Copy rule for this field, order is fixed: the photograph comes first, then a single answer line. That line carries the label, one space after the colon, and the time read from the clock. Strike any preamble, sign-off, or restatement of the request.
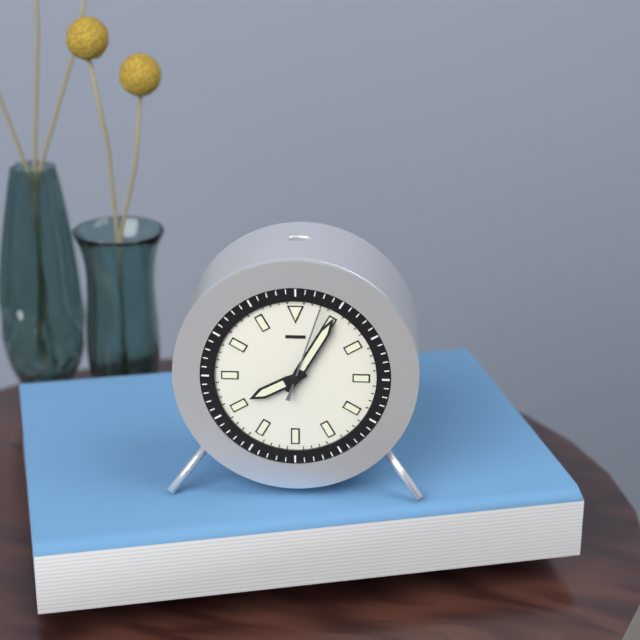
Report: 8:05:03
